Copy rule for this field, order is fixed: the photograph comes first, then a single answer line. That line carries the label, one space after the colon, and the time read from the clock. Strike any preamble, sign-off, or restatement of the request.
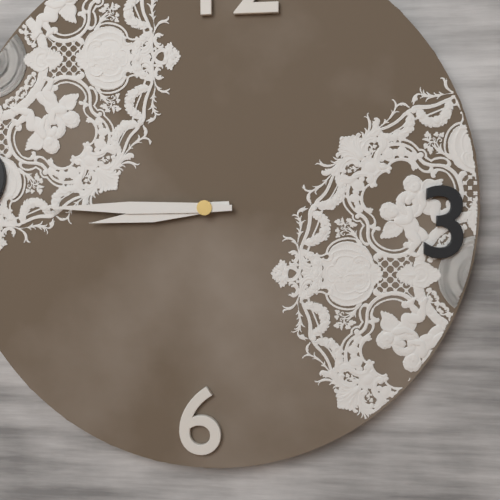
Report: 8:45
